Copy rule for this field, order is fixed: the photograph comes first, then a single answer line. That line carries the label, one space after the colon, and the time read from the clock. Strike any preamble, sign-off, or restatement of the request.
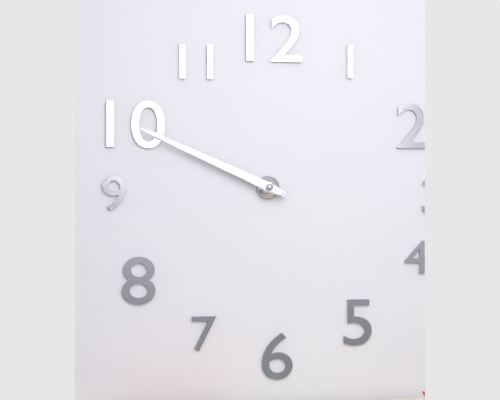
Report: 9:49
